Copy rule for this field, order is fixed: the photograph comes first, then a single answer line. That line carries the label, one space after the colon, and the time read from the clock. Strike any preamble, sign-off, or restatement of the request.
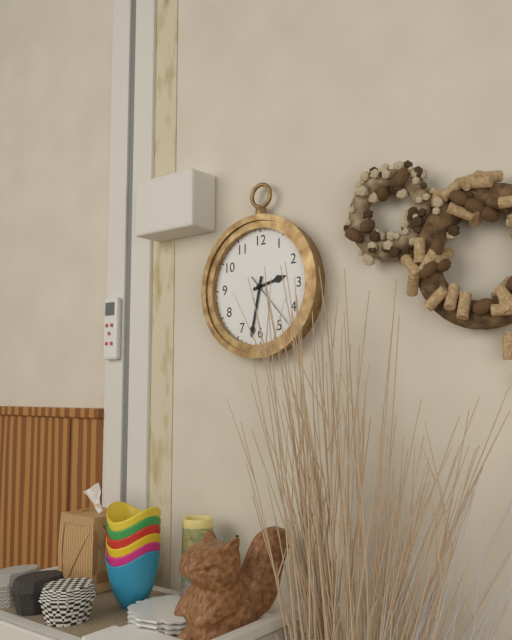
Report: 2:32:23
